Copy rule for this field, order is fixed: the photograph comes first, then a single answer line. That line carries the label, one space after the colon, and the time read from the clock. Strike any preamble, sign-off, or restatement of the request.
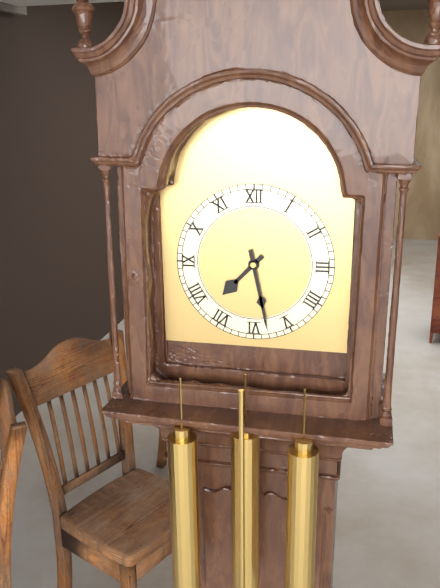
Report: 7:28
